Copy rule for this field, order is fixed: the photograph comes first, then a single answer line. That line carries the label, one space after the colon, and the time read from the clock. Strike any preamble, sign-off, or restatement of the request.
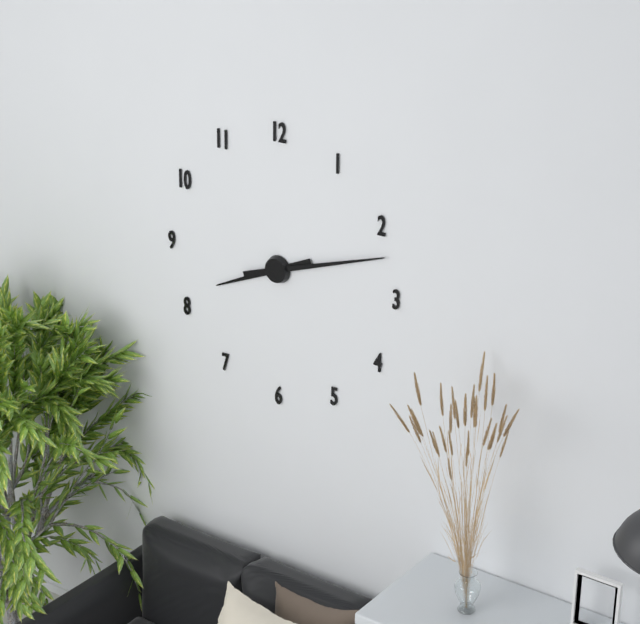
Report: 8:12
